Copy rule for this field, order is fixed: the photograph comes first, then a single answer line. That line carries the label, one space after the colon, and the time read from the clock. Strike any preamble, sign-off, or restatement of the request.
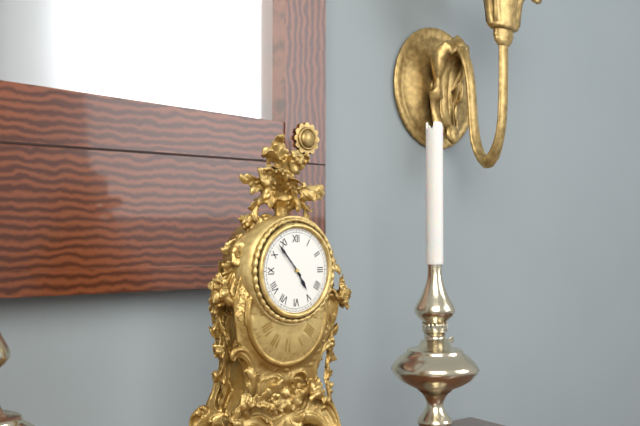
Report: 4:53
